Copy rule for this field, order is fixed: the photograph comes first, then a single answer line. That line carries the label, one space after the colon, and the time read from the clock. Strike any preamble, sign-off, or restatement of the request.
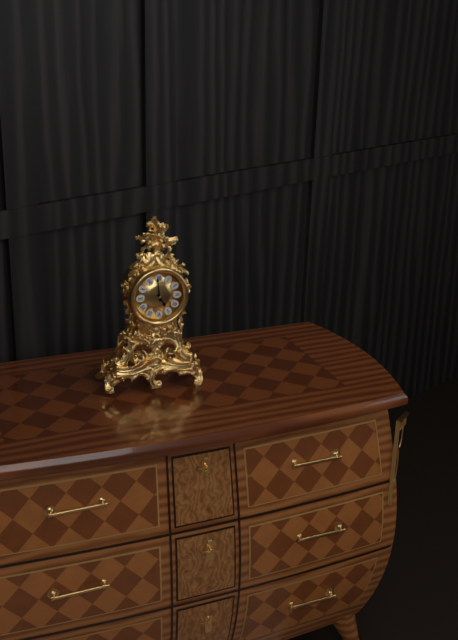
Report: 4:59
